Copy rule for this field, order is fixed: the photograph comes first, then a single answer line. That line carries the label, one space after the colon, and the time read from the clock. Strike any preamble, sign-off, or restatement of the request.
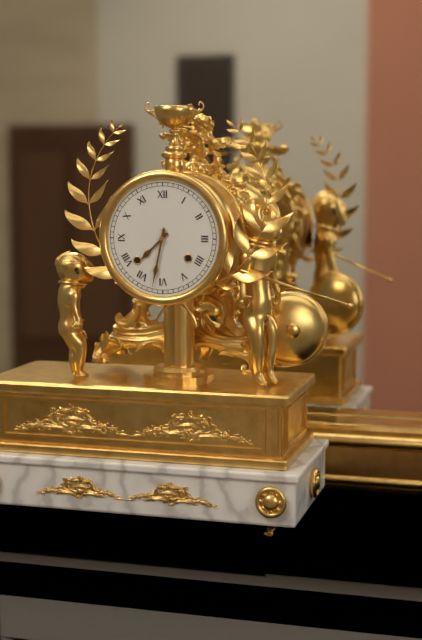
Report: 7:32
